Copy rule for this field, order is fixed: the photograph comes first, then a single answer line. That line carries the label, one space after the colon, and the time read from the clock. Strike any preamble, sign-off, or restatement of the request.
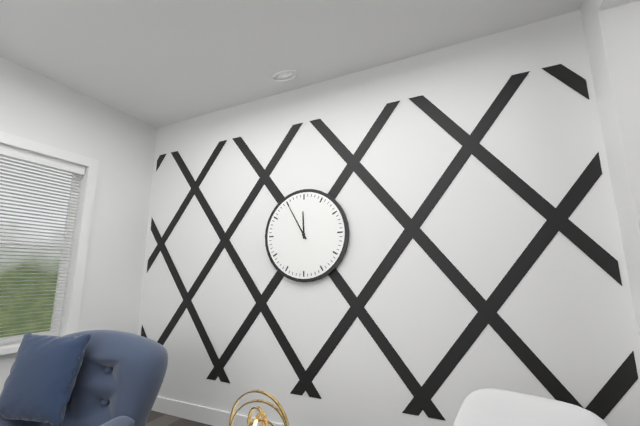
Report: 11:55
